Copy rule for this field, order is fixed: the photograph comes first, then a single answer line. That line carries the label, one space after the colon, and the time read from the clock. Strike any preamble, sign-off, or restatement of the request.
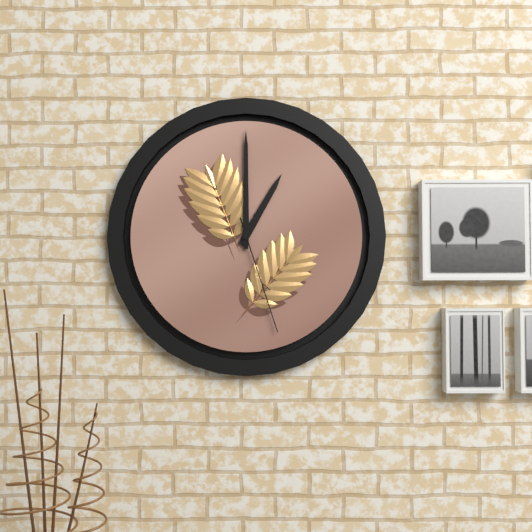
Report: 1:00:27
